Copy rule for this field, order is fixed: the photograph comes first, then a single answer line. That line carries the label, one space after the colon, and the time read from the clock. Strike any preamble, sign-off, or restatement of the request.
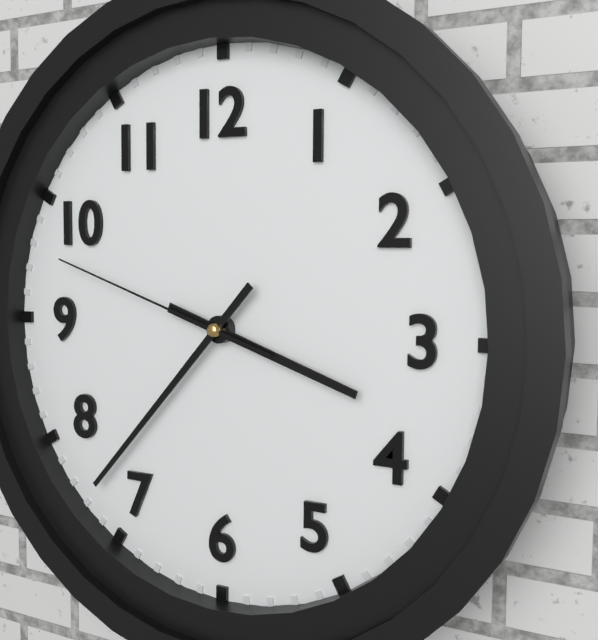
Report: 3:37:48
